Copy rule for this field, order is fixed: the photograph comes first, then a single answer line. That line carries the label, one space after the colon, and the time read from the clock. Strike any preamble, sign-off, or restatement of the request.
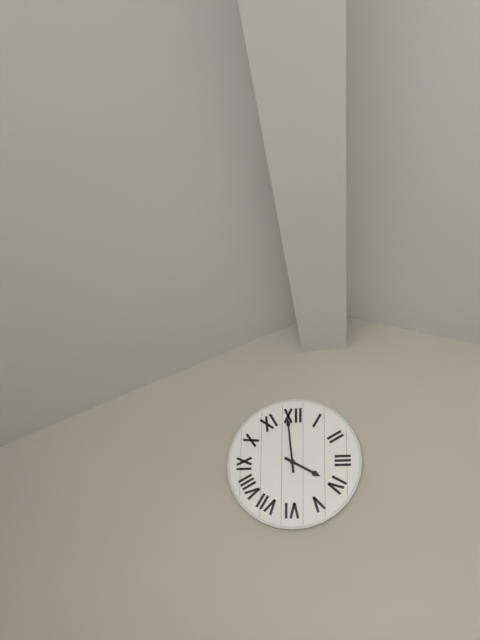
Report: 3:59
